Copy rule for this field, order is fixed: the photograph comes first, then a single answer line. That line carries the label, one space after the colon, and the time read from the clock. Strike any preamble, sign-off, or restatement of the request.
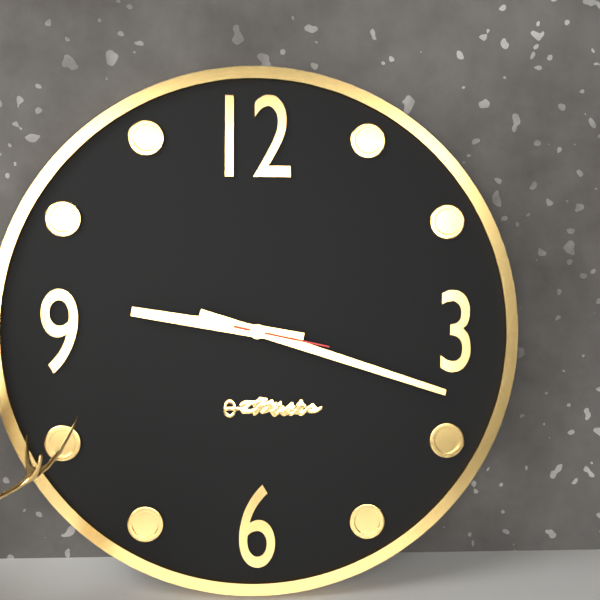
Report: 9:18:17
